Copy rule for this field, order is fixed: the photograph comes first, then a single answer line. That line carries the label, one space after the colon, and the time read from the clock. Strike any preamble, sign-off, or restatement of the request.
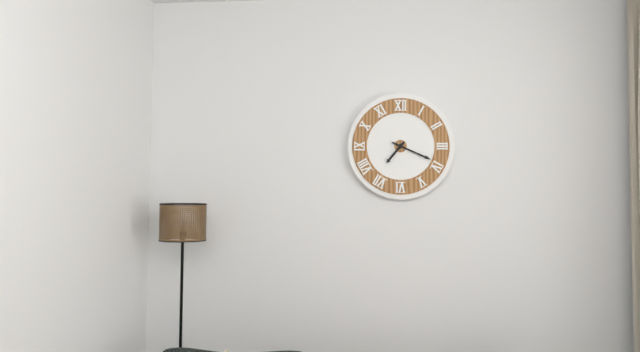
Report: 7:19
